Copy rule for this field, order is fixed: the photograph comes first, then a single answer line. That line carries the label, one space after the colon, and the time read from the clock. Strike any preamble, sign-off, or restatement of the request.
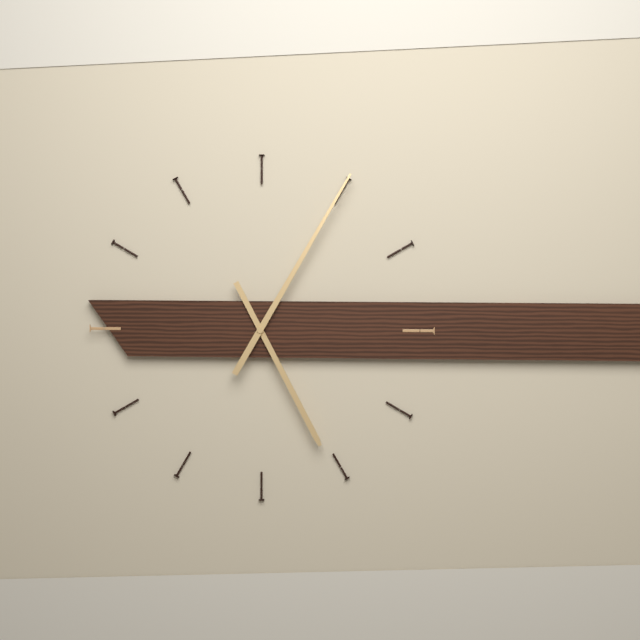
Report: 5:05
